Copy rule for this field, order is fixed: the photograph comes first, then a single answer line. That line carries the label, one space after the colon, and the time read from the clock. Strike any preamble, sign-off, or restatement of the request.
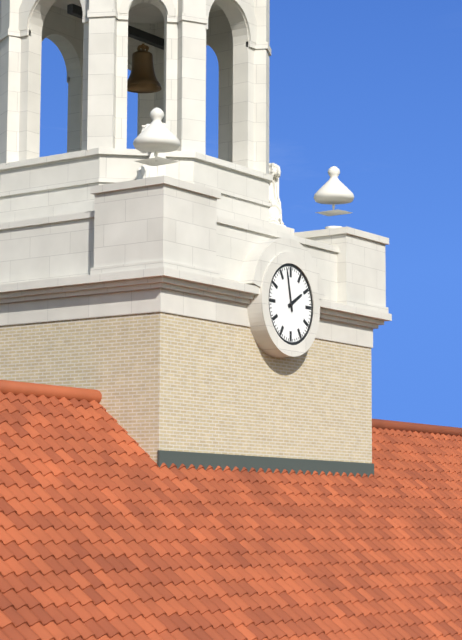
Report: 1:58
